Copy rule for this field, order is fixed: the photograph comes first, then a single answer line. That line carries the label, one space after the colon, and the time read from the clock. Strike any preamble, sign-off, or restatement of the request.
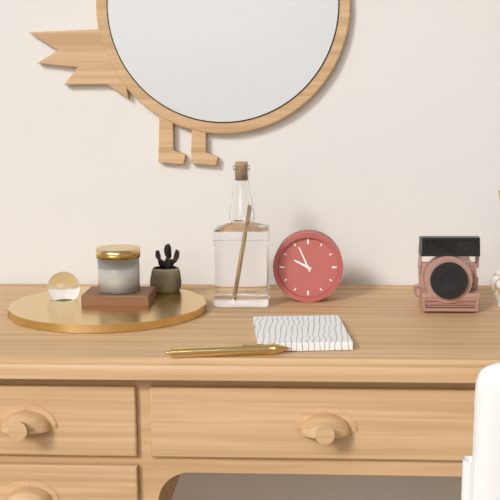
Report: 9:56
